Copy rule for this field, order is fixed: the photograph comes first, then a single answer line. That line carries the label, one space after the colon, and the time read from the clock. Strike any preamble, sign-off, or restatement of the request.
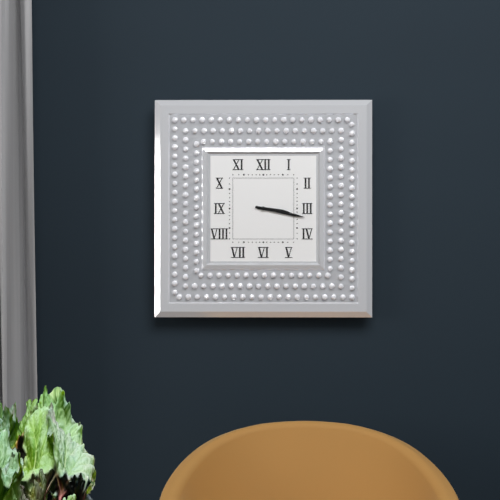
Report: 3:17
